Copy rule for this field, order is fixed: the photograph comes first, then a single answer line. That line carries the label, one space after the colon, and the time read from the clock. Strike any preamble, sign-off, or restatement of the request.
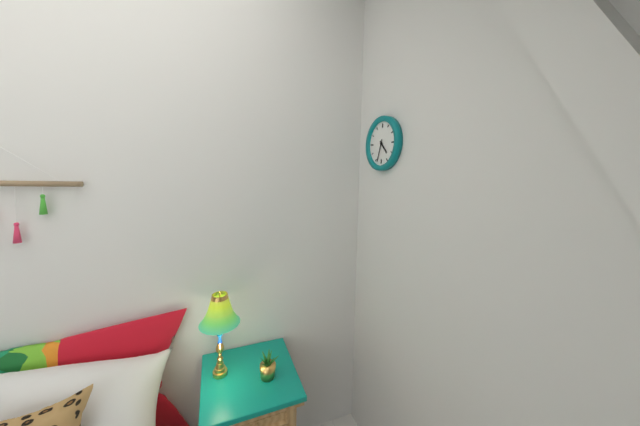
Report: 4:33
